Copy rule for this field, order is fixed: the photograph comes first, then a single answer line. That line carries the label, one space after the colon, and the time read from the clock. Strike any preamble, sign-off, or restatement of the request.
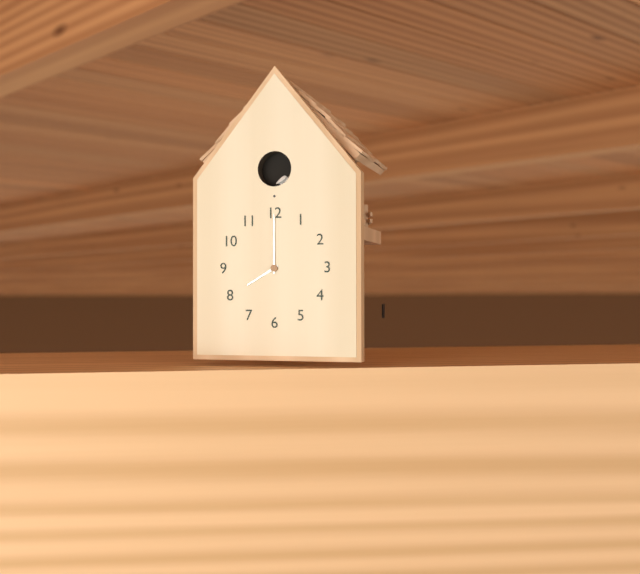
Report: 8:00
